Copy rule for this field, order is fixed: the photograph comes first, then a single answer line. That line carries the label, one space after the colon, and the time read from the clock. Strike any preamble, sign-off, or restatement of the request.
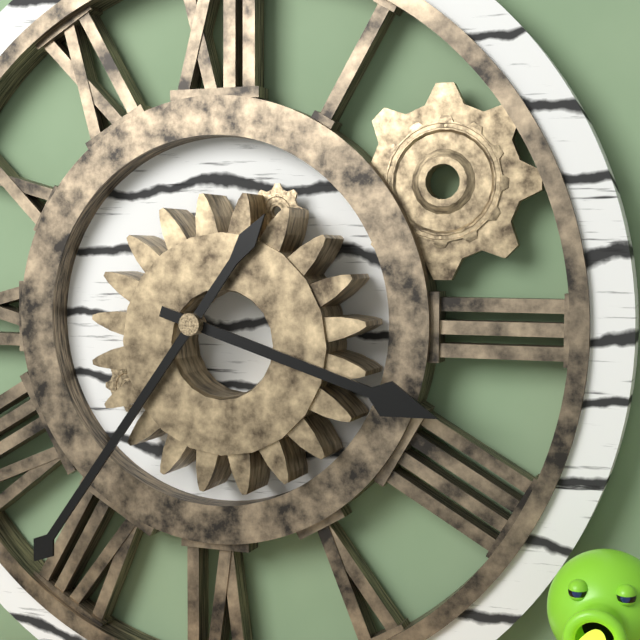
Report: 3:36
